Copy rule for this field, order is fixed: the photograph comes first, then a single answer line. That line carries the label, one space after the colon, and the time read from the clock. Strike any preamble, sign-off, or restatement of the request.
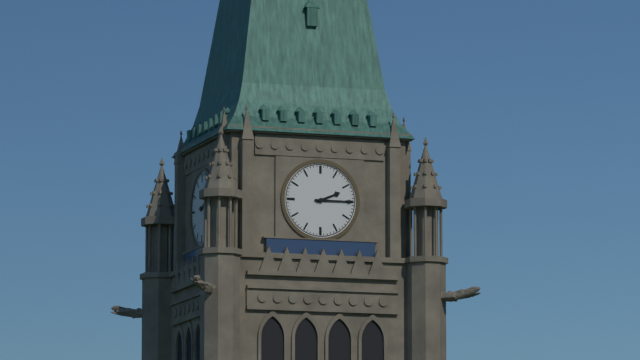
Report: 2:15
